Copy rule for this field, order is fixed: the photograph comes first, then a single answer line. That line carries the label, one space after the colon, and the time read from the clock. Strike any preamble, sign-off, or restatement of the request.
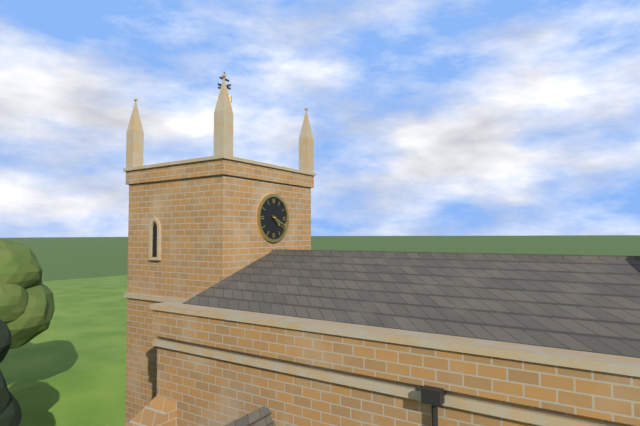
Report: 4:19
